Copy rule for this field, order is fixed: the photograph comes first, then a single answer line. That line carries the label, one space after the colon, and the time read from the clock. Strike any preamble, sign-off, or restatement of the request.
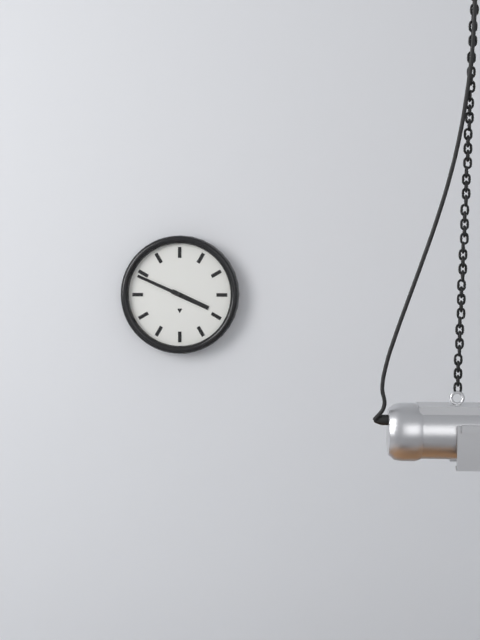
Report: 3:49
